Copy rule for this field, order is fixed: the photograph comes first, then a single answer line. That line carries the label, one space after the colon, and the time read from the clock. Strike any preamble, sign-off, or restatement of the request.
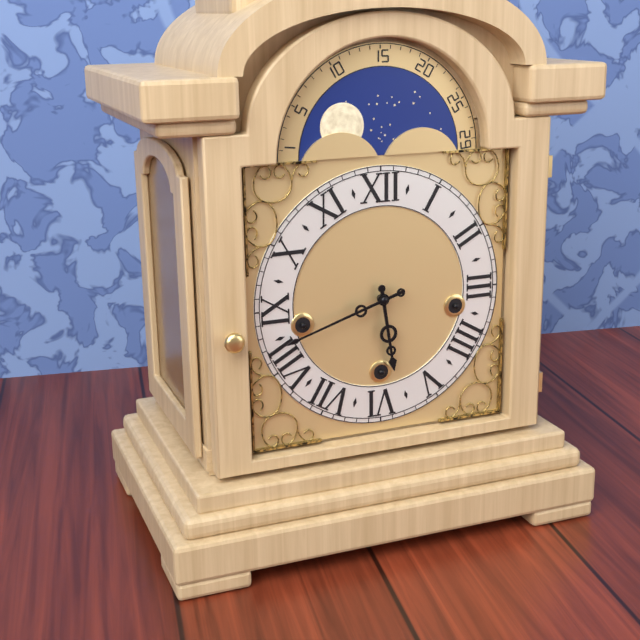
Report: 5:42
